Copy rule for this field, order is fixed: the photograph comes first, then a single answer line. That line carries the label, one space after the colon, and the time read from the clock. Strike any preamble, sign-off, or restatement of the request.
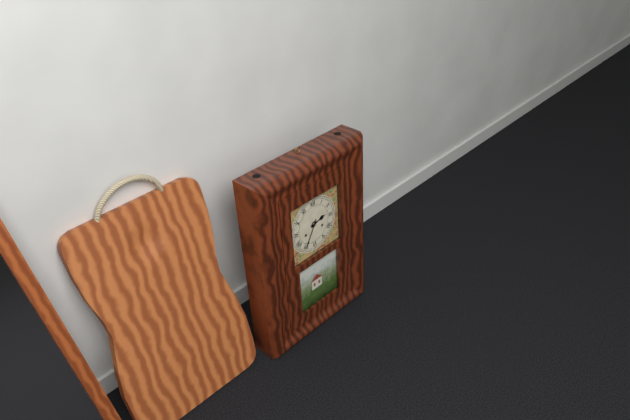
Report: 2:35
